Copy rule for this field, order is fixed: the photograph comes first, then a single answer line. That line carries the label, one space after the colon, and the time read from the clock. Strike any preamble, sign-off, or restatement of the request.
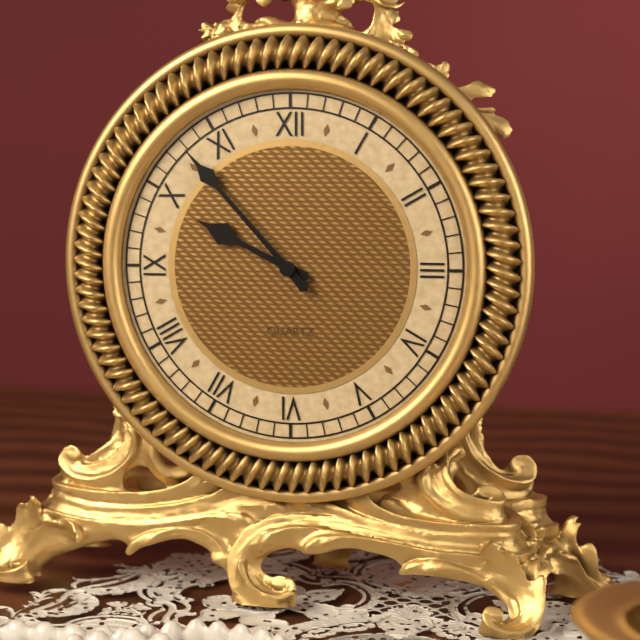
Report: 9:53
